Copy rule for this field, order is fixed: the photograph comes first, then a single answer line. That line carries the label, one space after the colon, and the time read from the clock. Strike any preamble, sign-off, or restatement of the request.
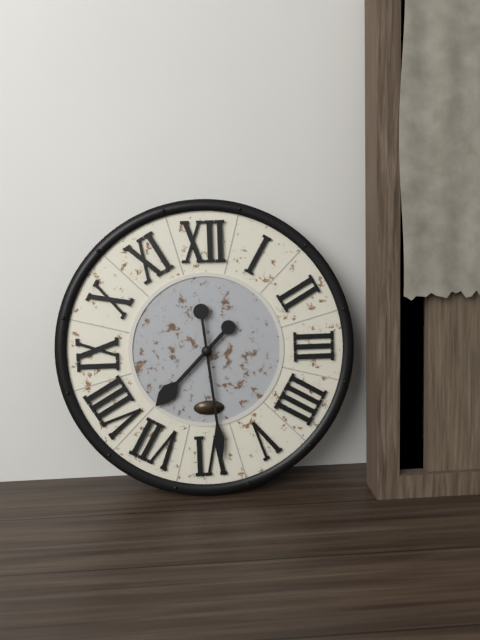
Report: 7:29
